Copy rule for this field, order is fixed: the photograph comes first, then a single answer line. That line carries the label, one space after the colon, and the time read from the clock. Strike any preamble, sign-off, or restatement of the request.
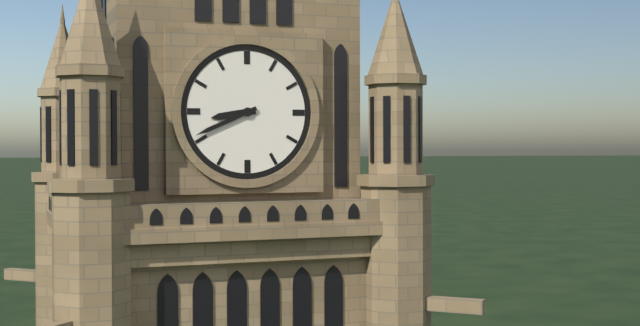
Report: 8:41
